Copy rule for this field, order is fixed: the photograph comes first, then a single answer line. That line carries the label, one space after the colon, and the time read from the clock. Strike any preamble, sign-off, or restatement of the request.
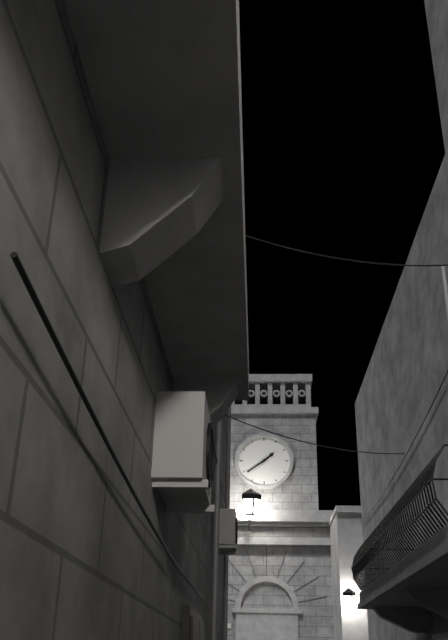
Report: 1:39
